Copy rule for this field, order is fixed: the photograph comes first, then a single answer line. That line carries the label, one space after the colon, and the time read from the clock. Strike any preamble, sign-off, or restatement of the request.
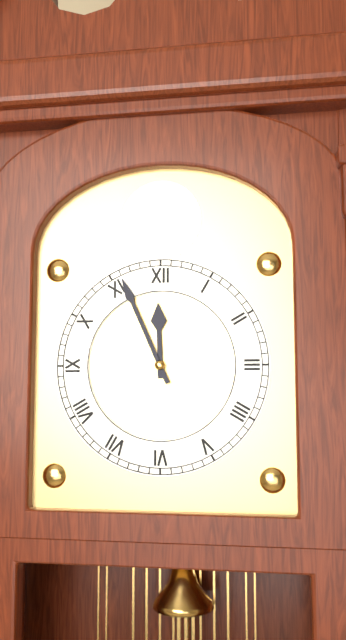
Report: 11:56
